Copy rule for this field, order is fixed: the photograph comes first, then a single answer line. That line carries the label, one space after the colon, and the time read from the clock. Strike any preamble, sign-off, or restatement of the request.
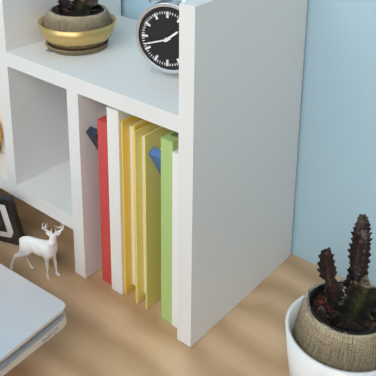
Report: 1:42
